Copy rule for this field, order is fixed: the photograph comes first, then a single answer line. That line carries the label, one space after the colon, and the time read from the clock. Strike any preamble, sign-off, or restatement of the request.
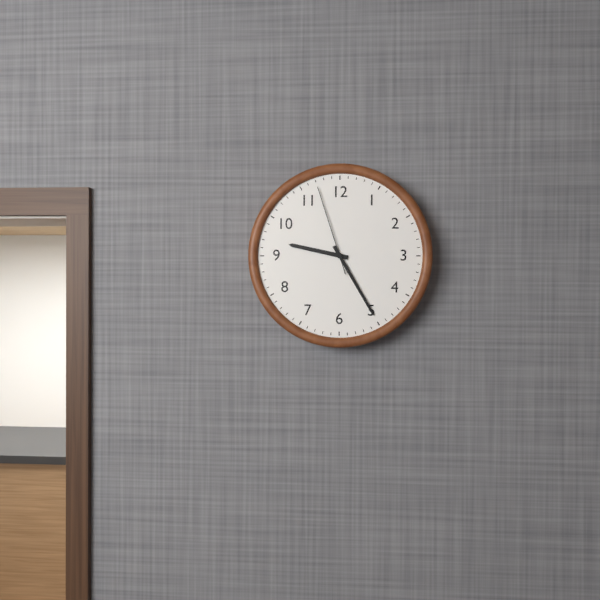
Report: 9:25:57
